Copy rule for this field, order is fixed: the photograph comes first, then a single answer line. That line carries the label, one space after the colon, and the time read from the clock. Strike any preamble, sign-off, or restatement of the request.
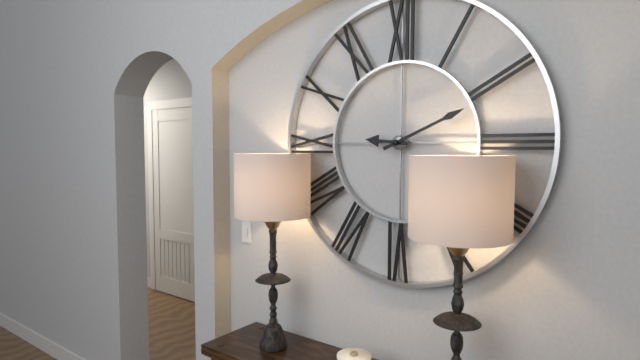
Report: 9:11
